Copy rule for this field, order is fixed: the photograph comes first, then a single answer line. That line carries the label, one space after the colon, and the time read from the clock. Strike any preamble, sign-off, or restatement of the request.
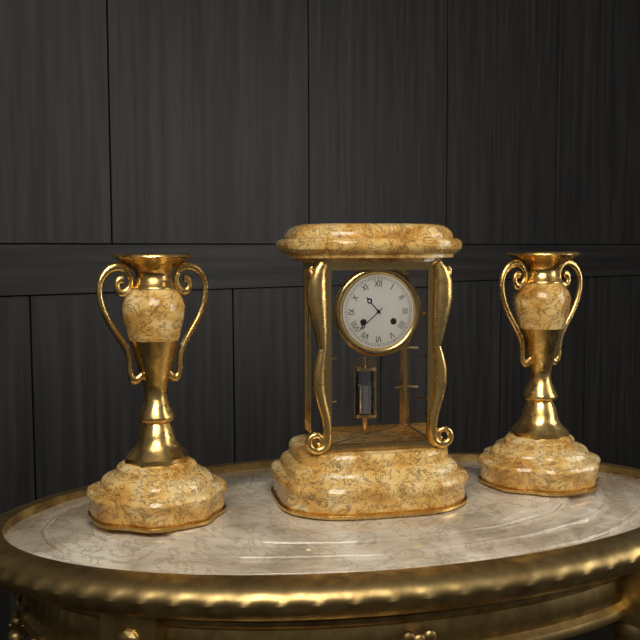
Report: 10:38
